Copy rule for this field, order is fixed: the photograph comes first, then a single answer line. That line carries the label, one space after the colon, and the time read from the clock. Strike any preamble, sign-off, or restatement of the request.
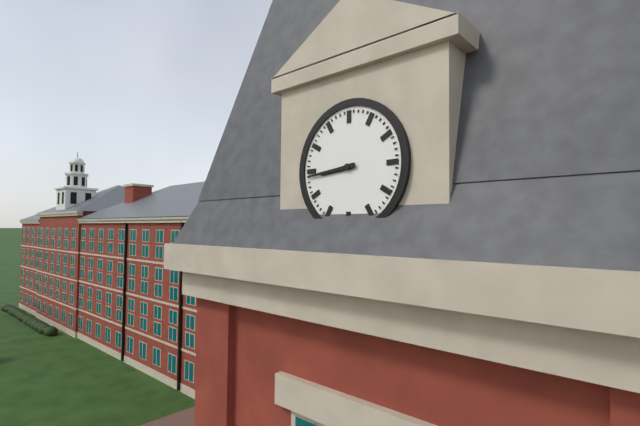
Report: 8:44
